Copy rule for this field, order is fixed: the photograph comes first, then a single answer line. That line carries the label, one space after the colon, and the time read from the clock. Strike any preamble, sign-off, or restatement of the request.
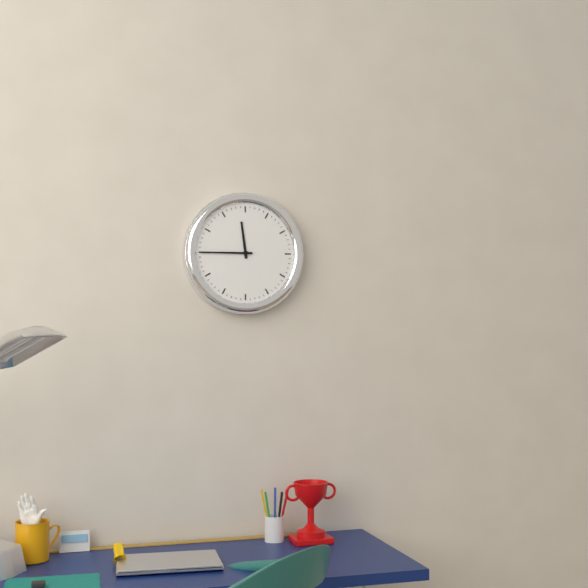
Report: 11:45
